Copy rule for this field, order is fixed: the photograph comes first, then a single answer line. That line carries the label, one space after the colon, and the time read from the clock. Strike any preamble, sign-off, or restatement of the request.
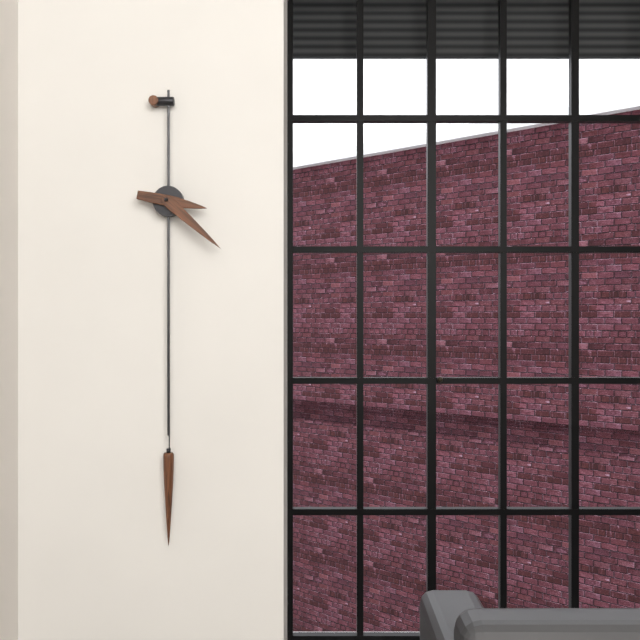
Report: 3:22
